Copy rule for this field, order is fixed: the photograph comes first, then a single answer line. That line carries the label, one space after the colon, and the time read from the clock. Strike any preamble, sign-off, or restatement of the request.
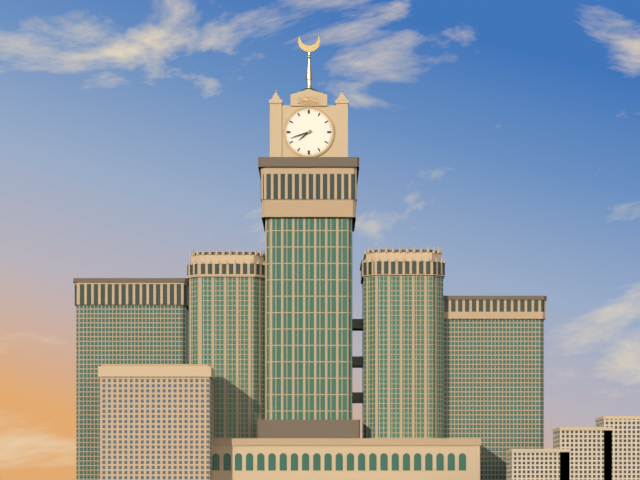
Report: 7:42
